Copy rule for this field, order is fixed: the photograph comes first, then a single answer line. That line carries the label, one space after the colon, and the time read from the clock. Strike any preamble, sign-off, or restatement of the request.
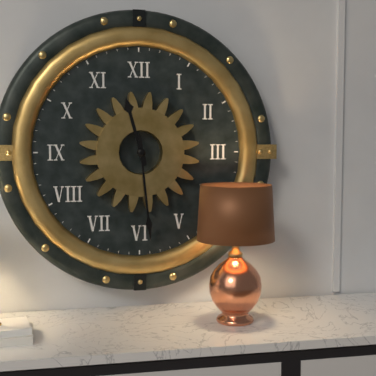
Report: 11:29
